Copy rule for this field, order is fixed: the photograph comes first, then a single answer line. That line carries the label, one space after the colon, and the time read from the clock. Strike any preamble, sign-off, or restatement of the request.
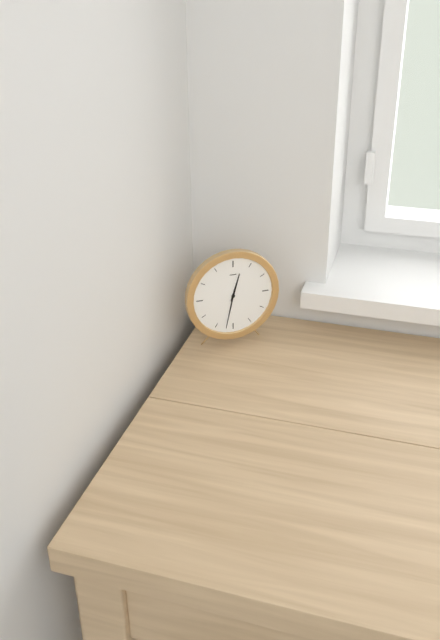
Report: 12:32
